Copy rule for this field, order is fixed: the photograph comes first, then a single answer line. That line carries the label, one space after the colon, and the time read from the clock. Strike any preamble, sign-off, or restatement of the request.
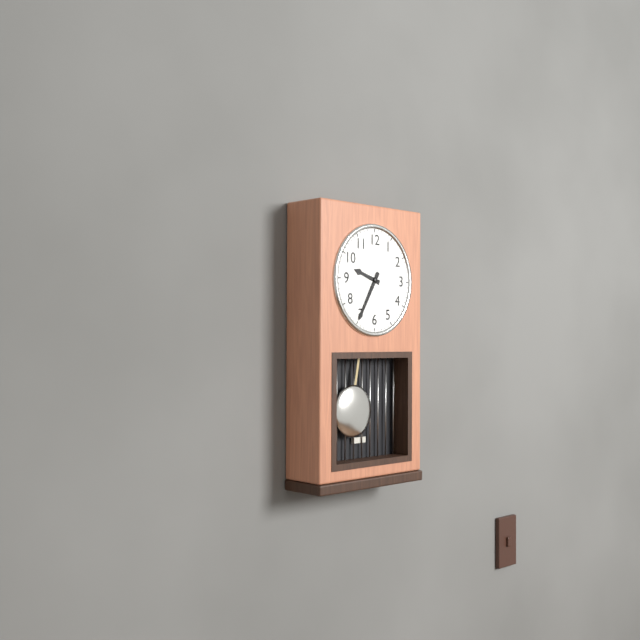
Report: 9:35
